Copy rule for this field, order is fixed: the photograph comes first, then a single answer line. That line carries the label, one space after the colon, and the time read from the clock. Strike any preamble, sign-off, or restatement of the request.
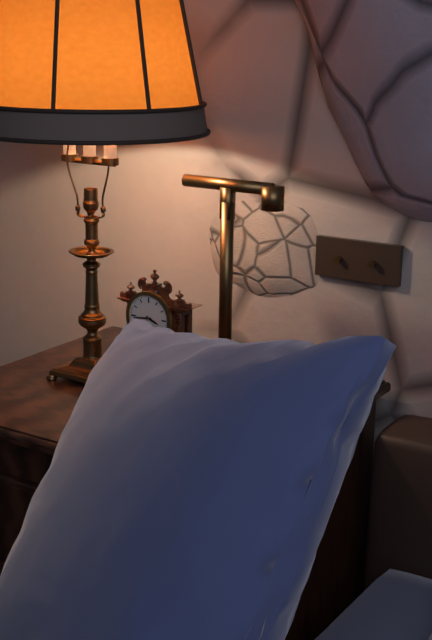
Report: 3:44
